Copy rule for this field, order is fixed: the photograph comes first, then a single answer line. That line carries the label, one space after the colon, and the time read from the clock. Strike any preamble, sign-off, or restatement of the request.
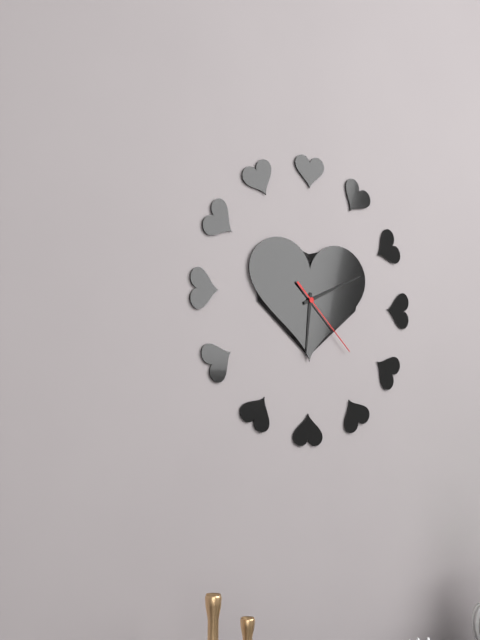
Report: 6:11:22
